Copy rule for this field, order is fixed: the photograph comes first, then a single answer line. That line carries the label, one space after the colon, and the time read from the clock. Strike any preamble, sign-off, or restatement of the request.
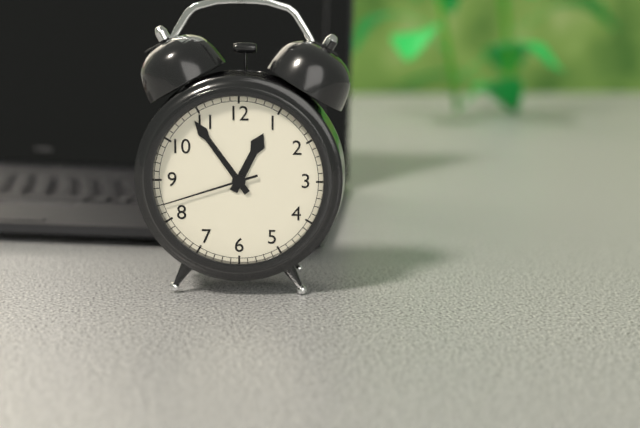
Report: 12:54:42
